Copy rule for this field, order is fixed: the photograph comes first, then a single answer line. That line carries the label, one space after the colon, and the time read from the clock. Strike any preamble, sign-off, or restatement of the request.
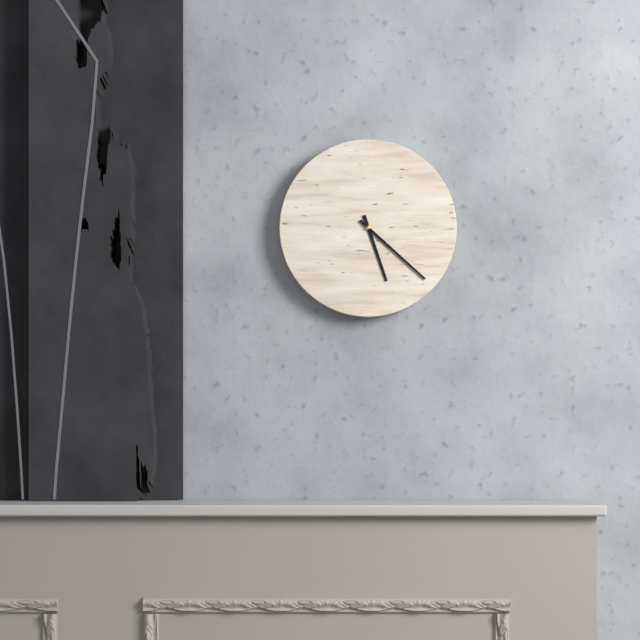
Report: 5:22
